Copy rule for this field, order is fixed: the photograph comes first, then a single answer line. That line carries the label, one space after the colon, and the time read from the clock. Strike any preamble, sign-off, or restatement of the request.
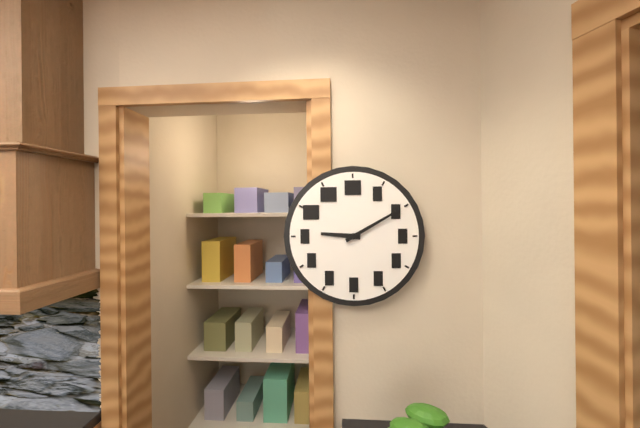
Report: 9:10
